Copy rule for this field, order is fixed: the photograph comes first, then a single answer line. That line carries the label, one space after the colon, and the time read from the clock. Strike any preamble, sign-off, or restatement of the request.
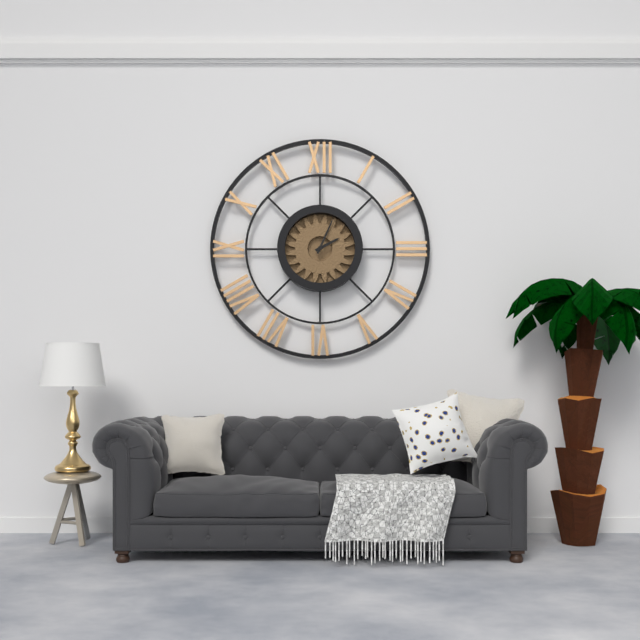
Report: 2:04
